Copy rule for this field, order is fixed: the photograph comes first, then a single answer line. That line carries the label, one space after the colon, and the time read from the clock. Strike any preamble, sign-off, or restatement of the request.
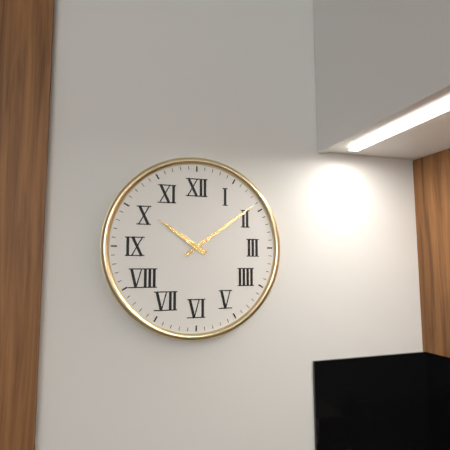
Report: 10:09
